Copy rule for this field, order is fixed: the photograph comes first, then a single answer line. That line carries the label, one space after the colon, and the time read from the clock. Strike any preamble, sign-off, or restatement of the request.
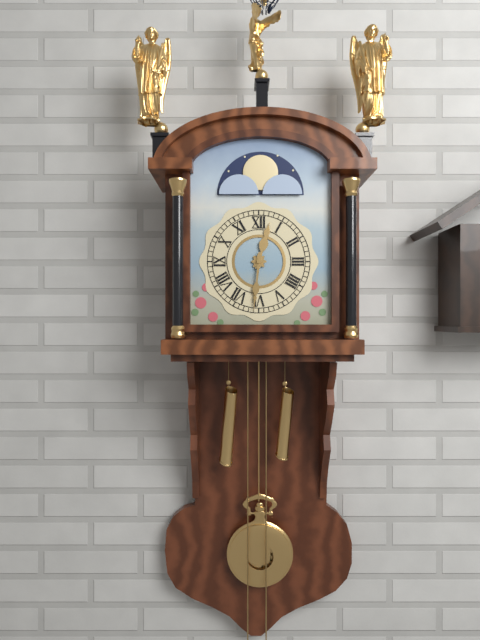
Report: 12:31
